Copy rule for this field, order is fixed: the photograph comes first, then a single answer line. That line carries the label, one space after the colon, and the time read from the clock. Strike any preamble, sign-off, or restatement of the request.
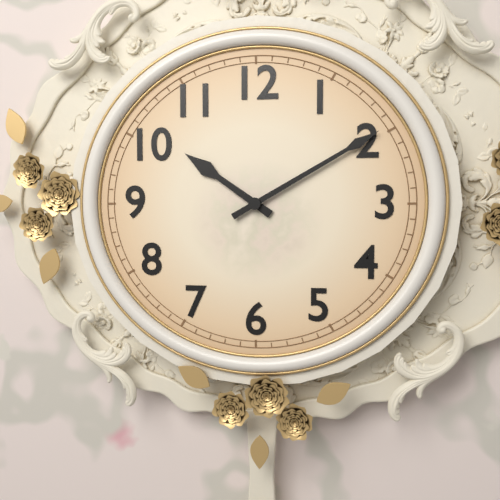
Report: 10:10
